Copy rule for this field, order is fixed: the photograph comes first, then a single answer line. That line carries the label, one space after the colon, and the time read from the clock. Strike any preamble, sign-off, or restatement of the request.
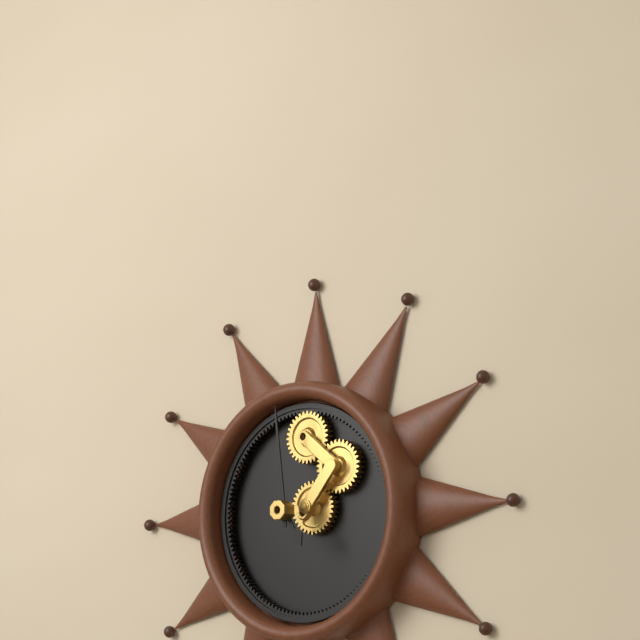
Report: 4:59
